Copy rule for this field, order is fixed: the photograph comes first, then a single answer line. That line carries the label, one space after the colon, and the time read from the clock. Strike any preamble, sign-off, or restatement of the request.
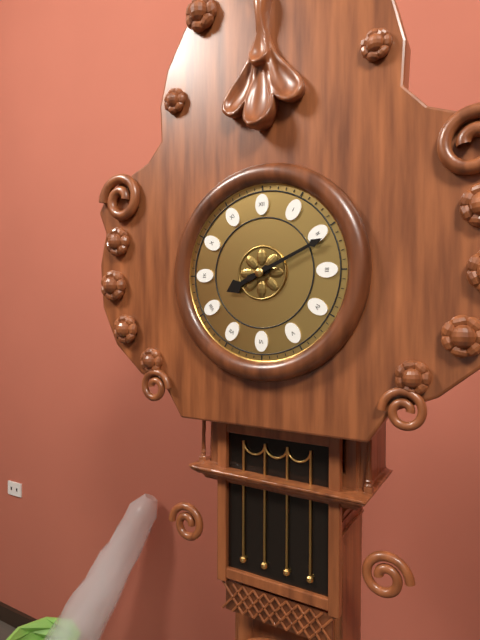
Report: 8:11
